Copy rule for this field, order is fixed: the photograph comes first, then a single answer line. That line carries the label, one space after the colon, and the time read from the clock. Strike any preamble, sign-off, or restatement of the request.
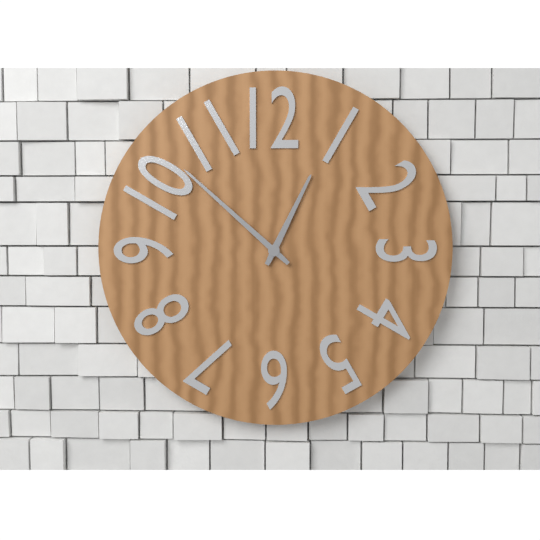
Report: 12:52
